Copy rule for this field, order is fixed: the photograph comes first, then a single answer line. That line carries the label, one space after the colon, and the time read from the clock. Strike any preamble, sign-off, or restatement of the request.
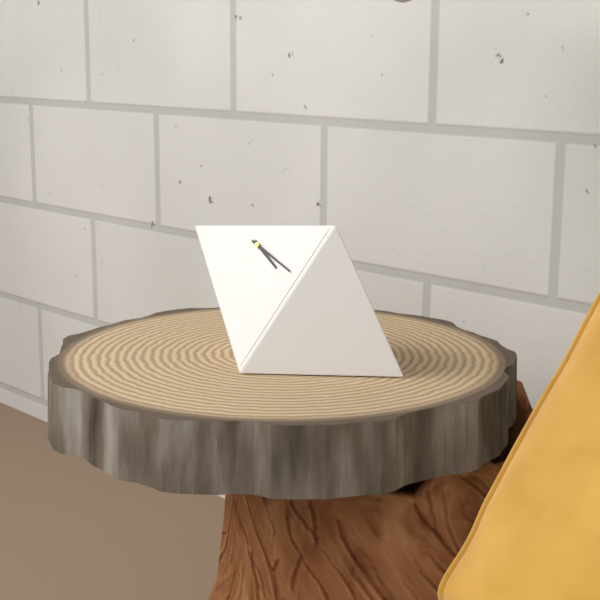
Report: 4:20
